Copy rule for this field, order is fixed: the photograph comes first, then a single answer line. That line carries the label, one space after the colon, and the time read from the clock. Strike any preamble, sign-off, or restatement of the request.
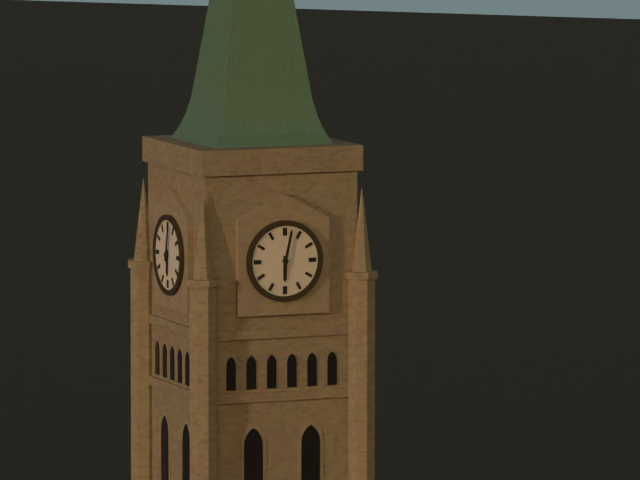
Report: 6:02
